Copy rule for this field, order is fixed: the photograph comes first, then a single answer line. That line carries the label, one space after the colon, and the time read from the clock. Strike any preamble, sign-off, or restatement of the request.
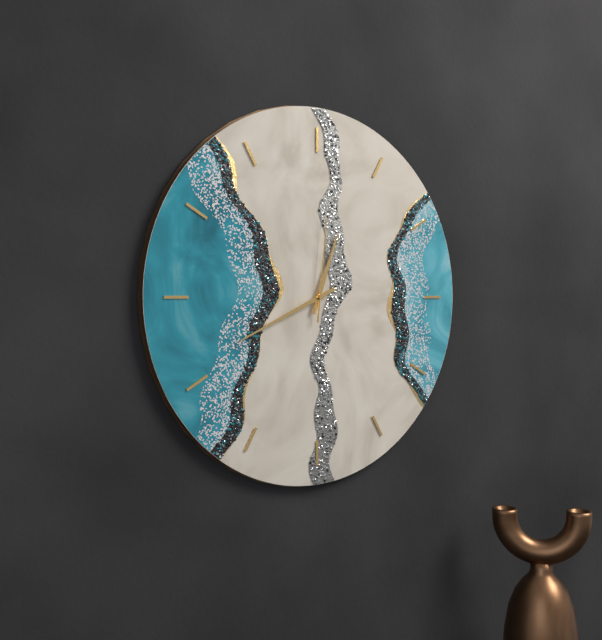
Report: 12:41:01
